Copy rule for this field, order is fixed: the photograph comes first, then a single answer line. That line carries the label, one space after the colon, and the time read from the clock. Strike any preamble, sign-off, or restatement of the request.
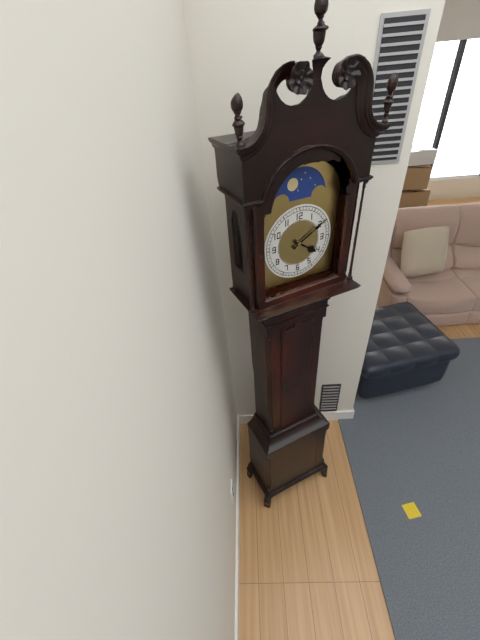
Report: 4:10
